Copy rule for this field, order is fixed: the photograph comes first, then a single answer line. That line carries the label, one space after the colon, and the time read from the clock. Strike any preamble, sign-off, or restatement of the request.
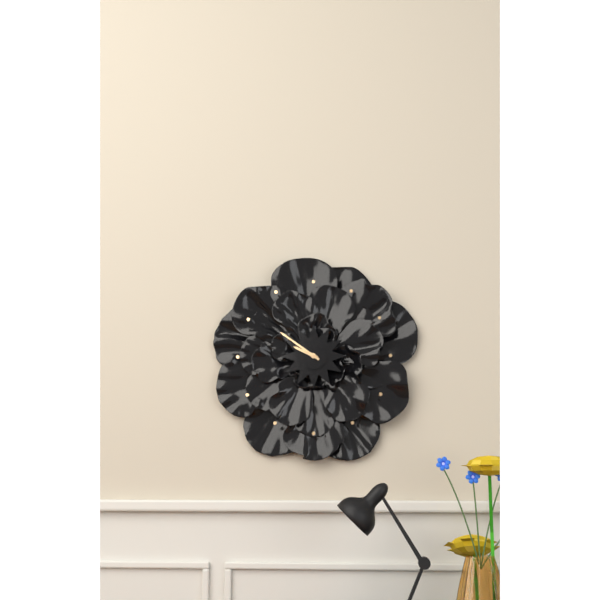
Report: 9:51
